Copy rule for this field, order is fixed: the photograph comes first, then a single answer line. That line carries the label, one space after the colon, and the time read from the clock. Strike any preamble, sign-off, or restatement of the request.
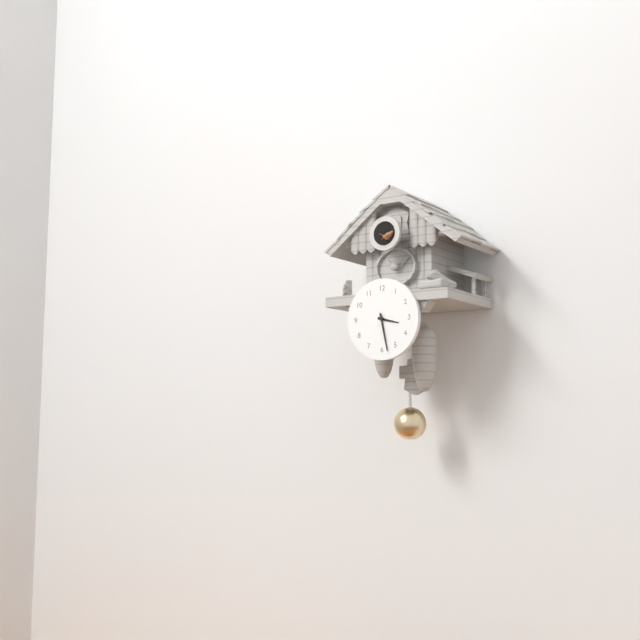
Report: 3:28
